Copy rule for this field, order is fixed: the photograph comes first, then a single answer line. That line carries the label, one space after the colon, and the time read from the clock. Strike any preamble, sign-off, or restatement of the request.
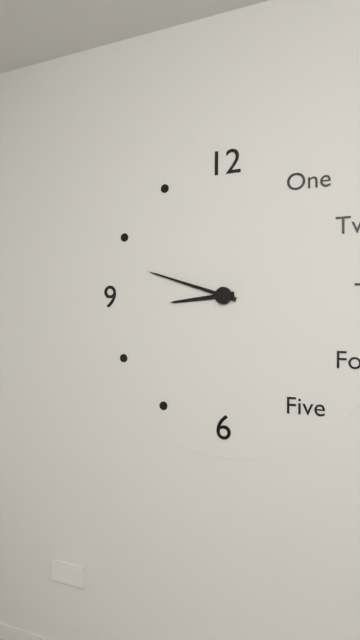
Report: 8:48
